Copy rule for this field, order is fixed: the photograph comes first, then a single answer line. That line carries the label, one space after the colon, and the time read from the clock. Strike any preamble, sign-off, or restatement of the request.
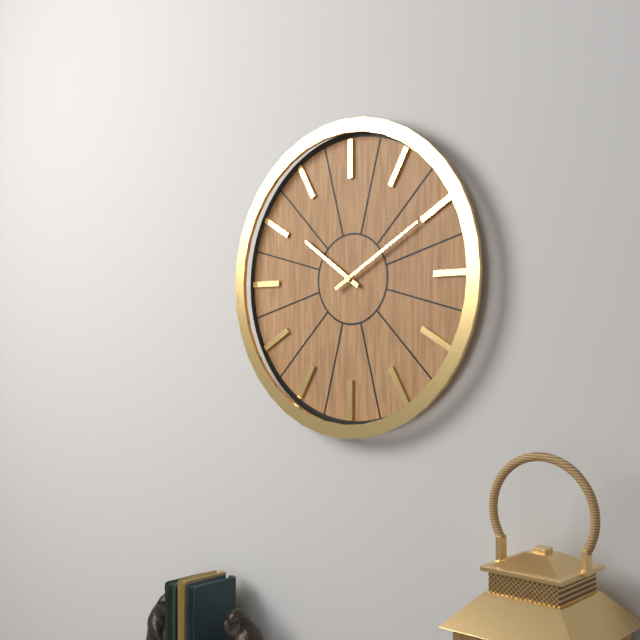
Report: 10:10
